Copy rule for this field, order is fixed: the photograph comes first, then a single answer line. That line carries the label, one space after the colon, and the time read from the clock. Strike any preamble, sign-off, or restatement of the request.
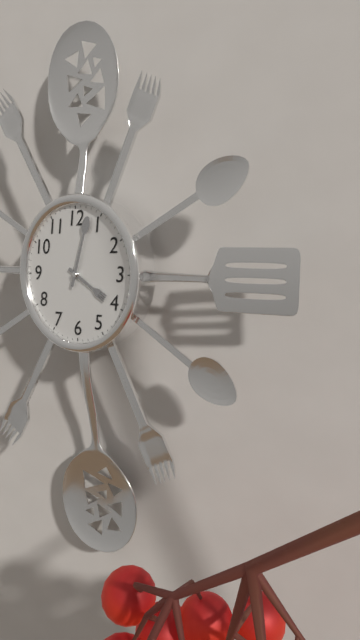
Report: 4:03
